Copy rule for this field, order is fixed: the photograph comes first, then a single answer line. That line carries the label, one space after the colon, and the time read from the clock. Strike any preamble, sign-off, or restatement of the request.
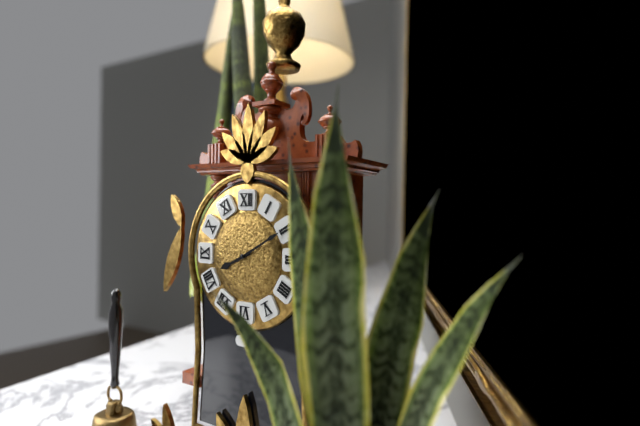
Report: 8:10
